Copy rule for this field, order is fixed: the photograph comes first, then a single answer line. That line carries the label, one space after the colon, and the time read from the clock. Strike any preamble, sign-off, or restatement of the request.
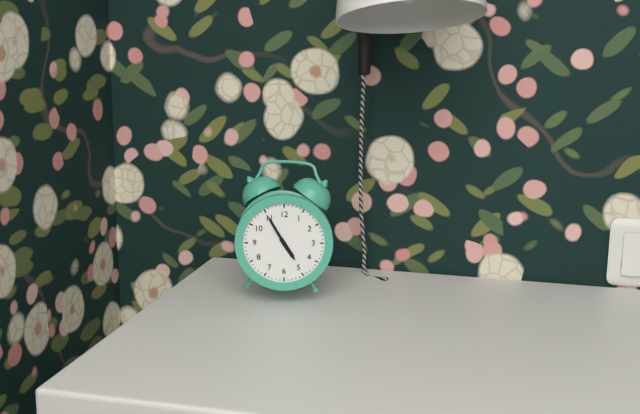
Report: 4:55
